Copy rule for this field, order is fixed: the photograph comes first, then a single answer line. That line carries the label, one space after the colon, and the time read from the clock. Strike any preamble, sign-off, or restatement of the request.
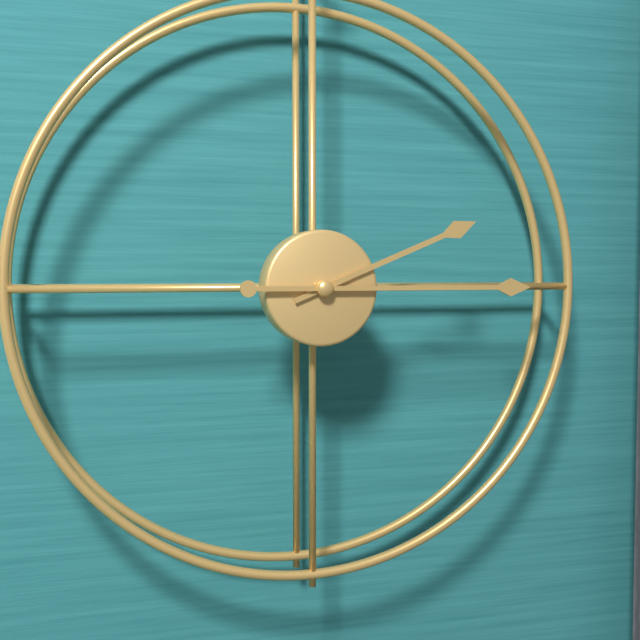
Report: 2:15
